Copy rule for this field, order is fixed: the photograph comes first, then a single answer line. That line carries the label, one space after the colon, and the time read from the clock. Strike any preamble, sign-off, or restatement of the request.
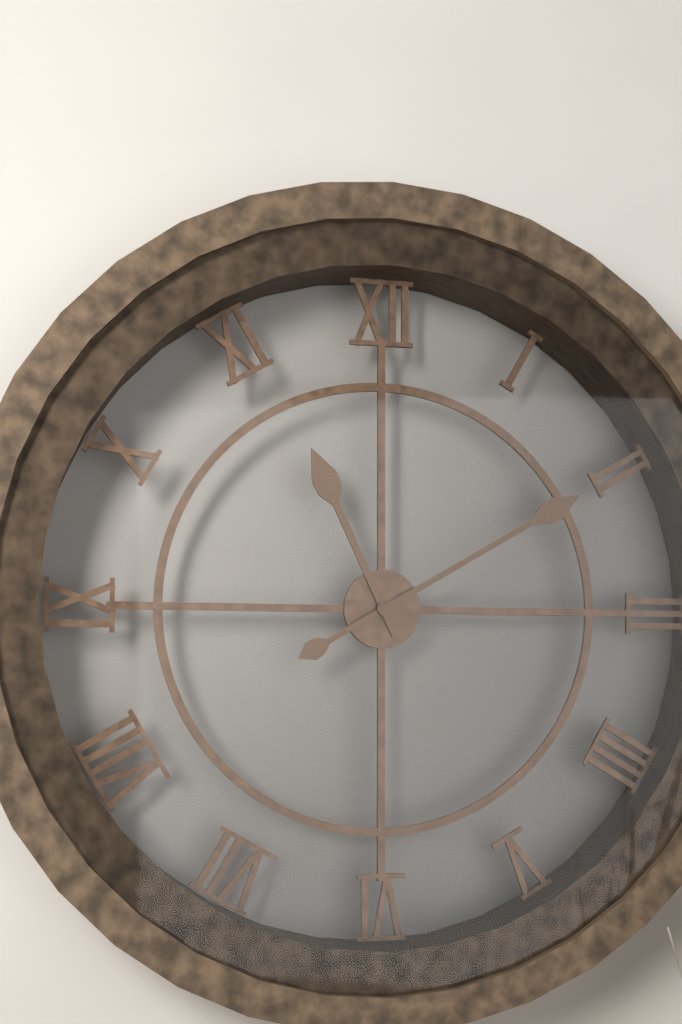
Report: 11:10
